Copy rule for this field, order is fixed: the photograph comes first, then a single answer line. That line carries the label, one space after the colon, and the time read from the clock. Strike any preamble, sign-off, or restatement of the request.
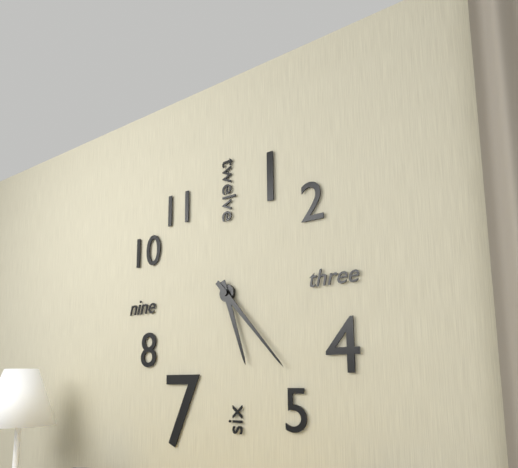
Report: 5:23
